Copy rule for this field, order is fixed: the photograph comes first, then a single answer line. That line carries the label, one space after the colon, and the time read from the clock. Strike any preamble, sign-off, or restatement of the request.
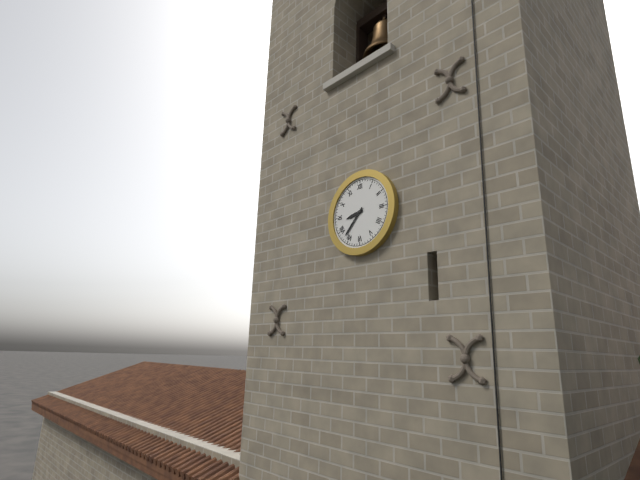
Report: 8:37
